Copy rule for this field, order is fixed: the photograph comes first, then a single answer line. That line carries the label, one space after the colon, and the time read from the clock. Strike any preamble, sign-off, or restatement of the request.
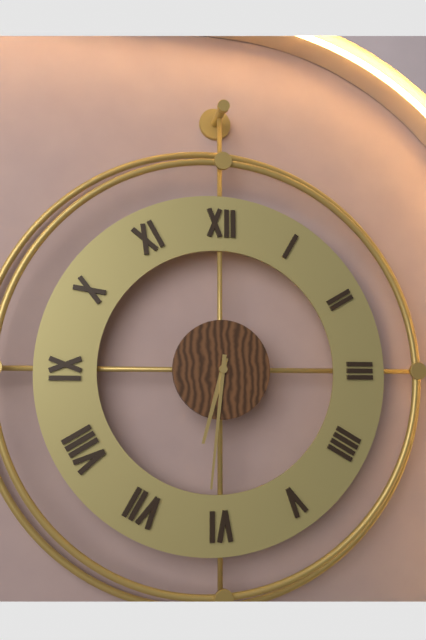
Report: 6:31
